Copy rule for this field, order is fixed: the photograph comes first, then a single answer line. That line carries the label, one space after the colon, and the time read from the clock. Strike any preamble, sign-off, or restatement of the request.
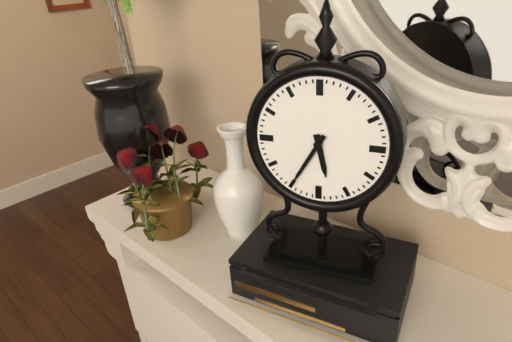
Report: 5:35
